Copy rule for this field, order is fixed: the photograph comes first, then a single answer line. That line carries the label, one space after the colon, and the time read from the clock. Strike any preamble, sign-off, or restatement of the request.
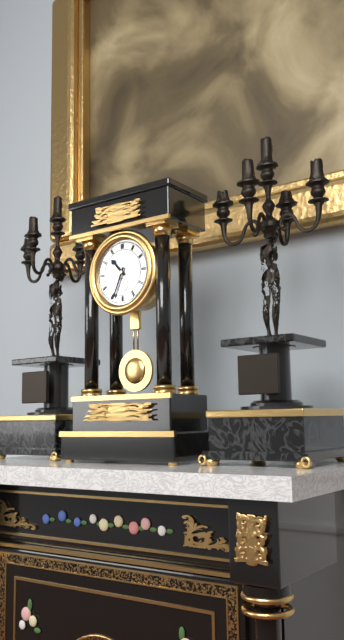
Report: 10:34
